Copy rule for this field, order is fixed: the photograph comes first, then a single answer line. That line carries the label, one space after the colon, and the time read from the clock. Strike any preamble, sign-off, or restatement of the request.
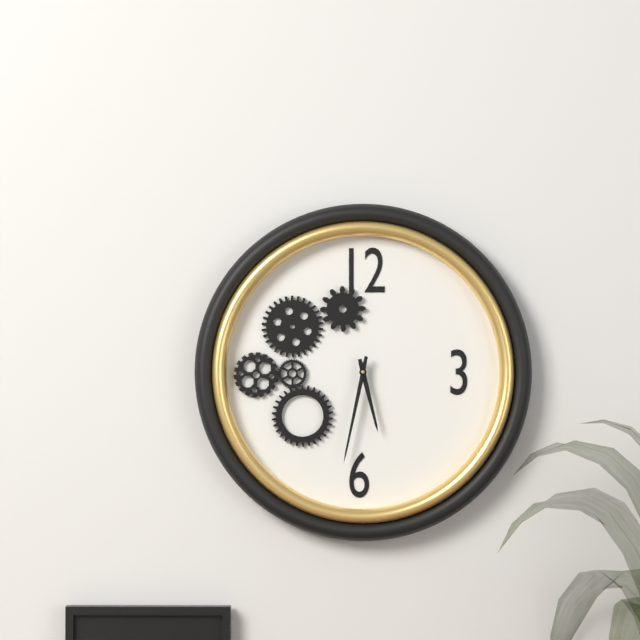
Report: 5:32
